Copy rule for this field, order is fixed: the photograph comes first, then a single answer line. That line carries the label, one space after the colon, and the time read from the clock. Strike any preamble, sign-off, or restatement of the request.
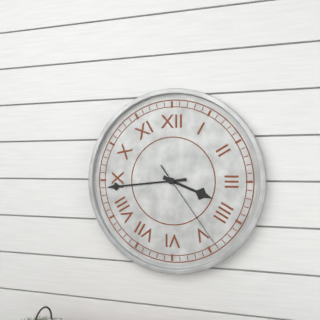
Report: 3:44:24
